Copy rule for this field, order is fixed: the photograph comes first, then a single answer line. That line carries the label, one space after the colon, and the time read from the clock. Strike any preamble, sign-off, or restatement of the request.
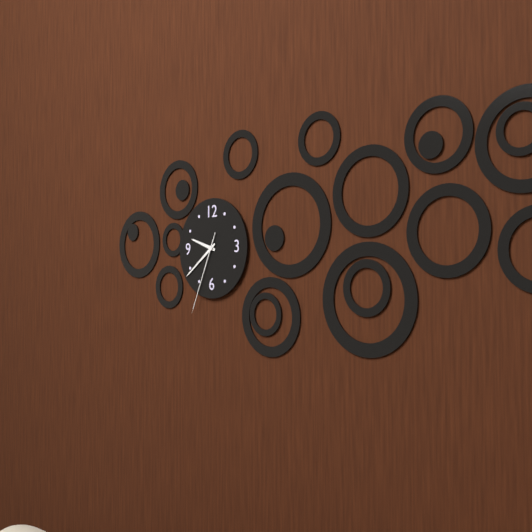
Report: 9:39:34
